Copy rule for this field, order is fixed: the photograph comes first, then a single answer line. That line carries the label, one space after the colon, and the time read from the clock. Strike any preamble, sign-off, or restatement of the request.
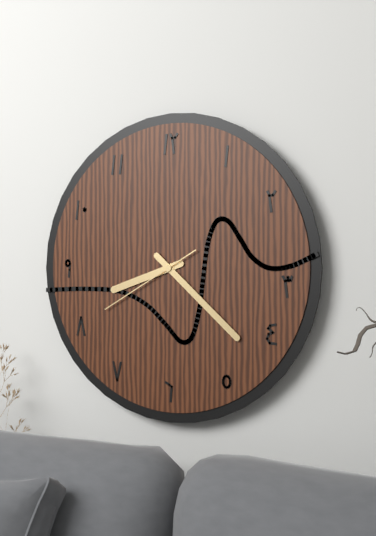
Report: 8:22:40
